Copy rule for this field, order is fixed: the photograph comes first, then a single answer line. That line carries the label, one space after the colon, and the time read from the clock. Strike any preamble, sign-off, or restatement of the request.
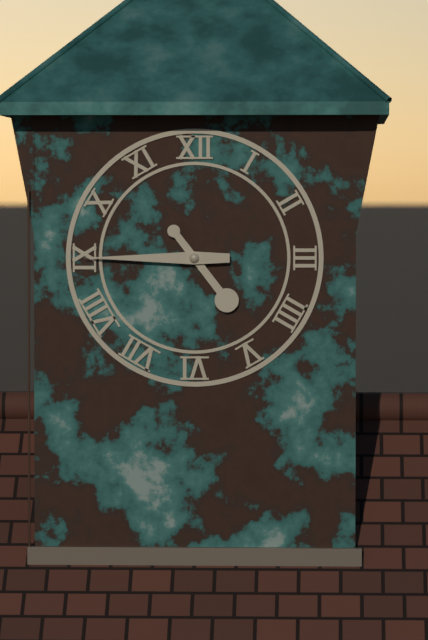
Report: 4:45
